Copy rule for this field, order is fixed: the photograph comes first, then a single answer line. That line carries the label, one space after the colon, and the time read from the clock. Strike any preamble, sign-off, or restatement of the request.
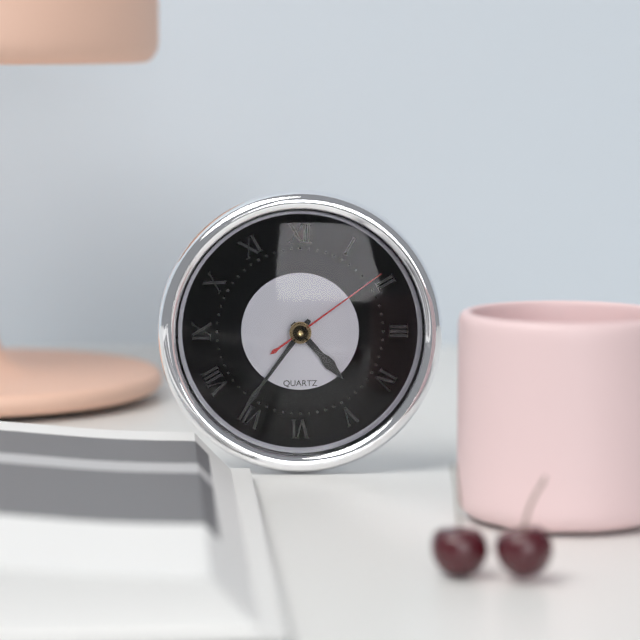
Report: 4:36:09
